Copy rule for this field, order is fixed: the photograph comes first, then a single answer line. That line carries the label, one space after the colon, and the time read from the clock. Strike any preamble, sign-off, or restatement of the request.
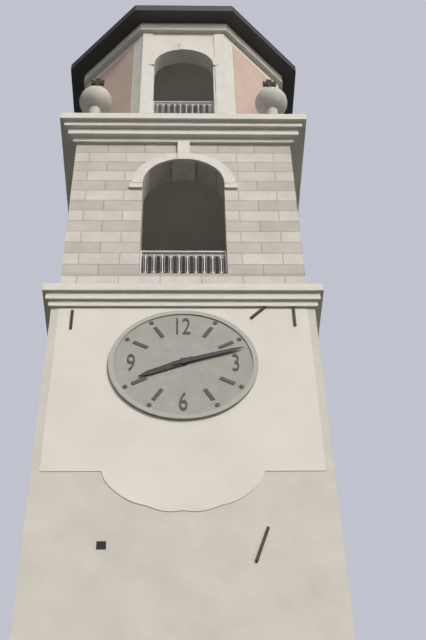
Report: 8:12
